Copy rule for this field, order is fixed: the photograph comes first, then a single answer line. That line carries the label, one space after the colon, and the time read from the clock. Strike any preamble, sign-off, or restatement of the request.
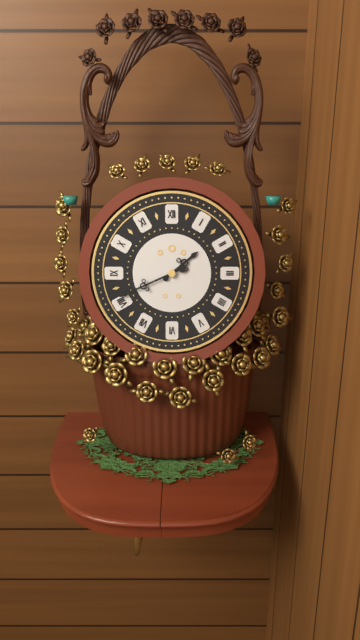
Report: 1:41
